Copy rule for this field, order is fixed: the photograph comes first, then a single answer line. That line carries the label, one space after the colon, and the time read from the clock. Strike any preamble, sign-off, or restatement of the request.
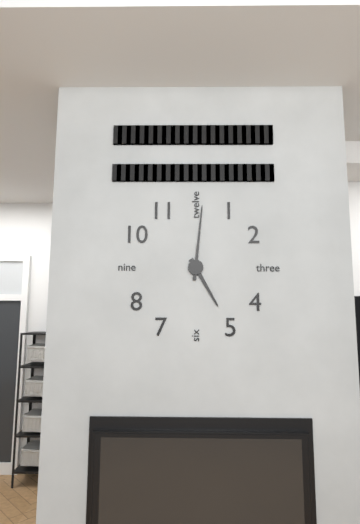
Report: 5:01
